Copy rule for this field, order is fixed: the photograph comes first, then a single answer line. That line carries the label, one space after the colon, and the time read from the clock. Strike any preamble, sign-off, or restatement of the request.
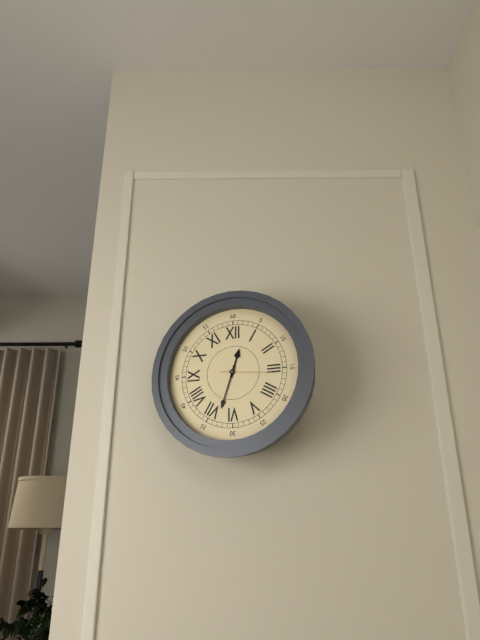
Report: 12:33
